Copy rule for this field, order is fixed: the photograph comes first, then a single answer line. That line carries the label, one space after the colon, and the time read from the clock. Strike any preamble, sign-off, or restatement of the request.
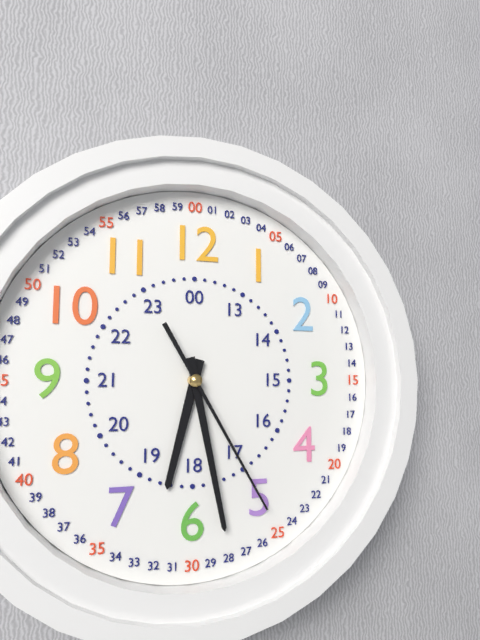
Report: 6:28:25
